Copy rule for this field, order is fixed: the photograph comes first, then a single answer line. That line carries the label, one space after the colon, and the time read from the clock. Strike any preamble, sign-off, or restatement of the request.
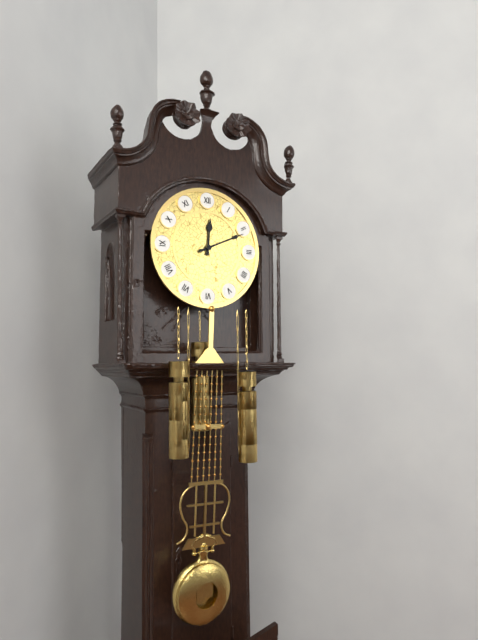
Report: 12:11
